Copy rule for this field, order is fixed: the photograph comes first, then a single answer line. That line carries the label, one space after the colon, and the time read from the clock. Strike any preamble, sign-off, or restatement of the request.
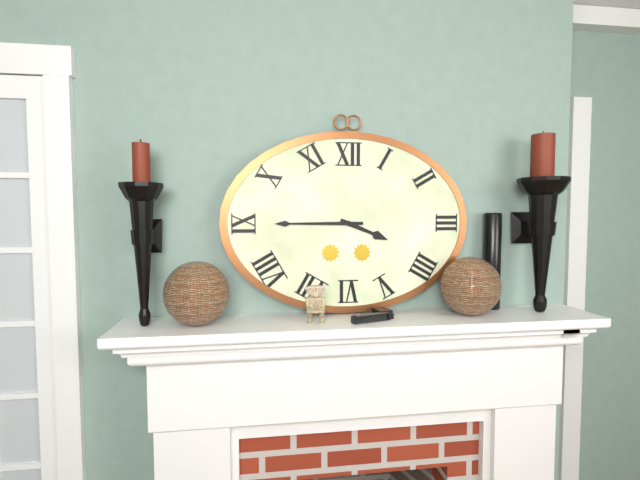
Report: 3:45
